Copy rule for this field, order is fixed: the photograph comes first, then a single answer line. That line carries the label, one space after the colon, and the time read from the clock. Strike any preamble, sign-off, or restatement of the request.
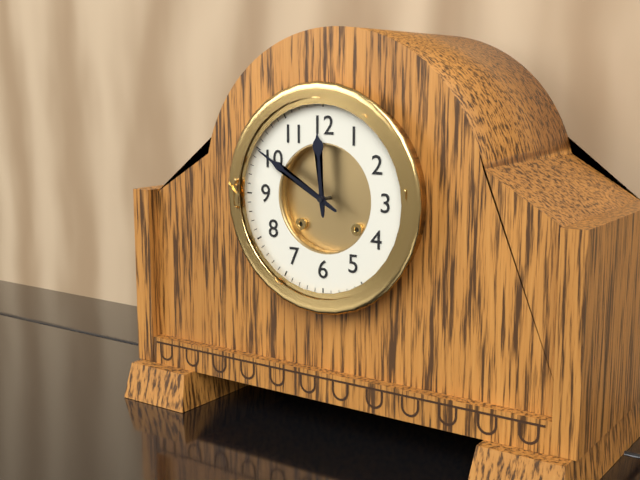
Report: 11:50
